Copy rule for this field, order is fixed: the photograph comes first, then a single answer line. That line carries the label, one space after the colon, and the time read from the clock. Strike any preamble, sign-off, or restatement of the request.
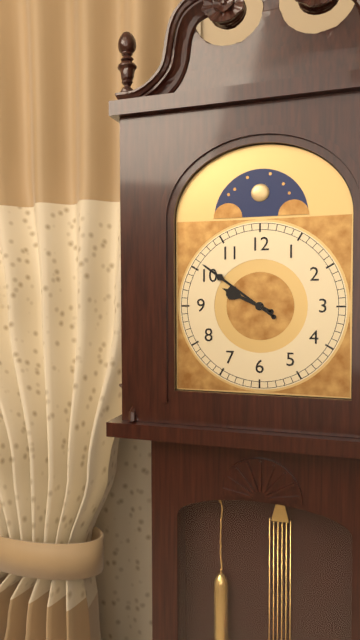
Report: 9:51
